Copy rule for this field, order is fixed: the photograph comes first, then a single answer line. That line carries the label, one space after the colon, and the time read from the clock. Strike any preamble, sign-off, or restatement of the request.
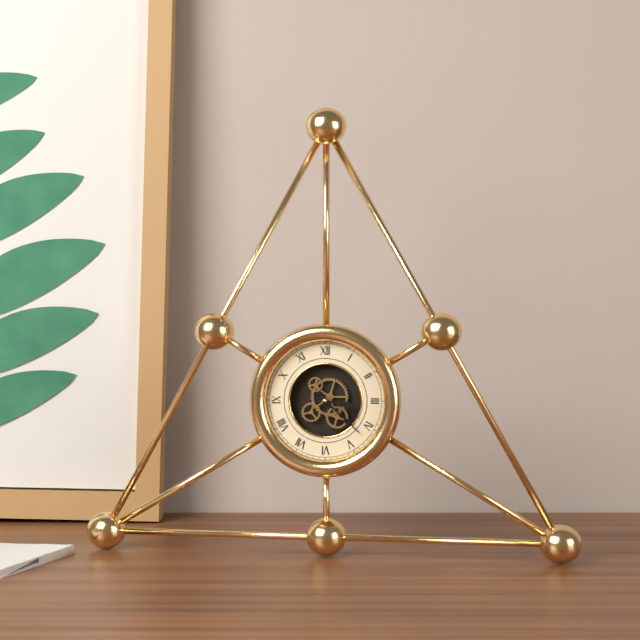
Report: 3:22
